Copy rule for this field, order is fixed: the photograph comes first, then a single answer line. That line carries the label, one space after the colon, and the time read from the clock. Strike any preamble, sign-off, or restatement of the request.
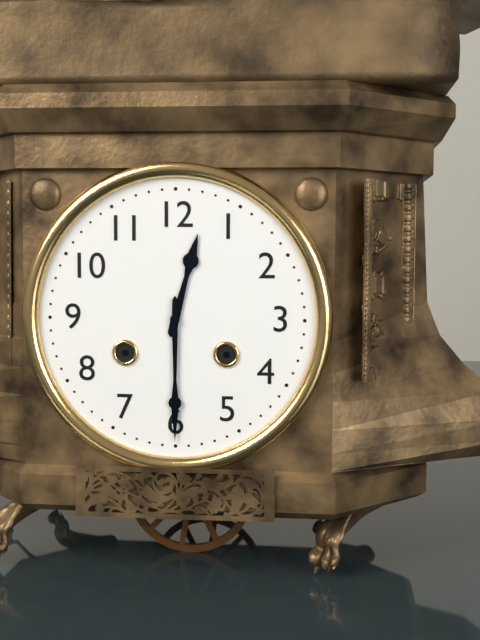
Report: 12:30
